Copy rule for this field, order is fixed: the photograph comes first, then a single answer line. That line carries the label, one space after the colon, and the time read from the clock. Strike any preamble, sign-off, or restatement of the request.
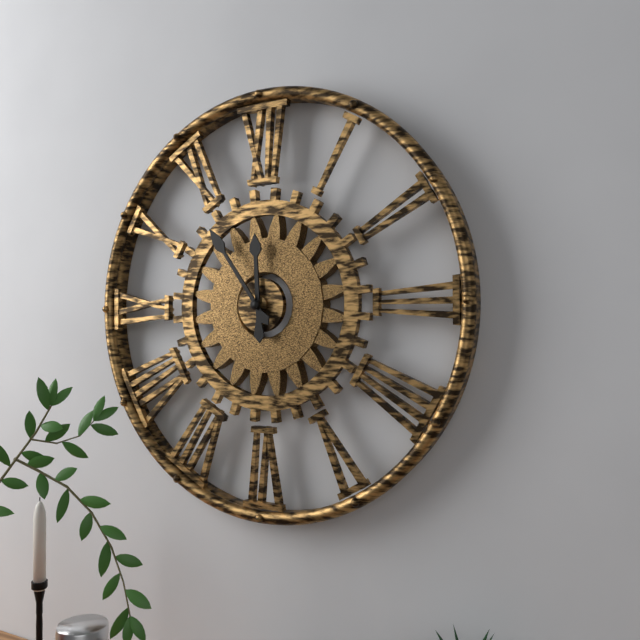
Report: 11:54
